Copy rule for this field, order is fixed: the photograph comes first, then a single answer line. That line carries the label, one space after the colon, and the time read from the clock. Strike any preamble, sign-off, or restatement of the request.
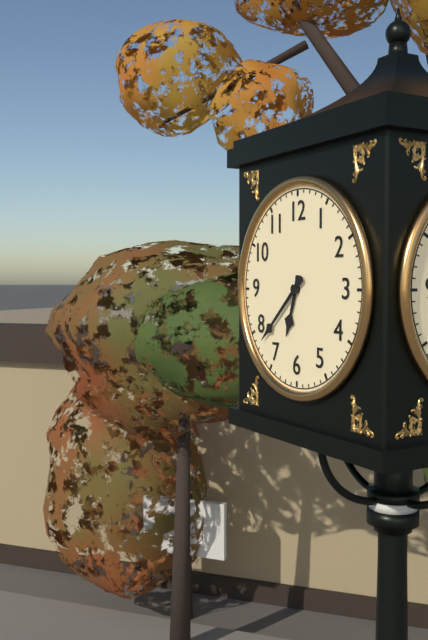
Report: 6:38
